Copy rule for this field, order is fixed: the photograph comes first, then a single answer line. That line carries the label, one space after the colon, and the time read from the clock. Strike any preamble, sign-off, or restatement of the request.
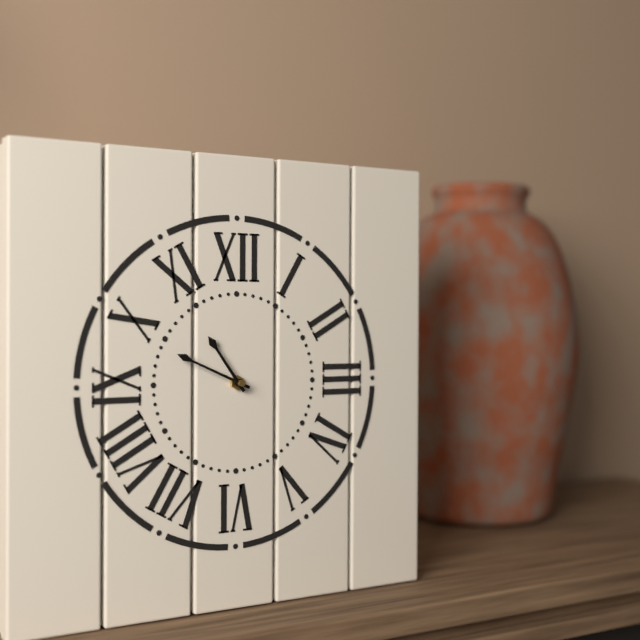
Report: 10:49
